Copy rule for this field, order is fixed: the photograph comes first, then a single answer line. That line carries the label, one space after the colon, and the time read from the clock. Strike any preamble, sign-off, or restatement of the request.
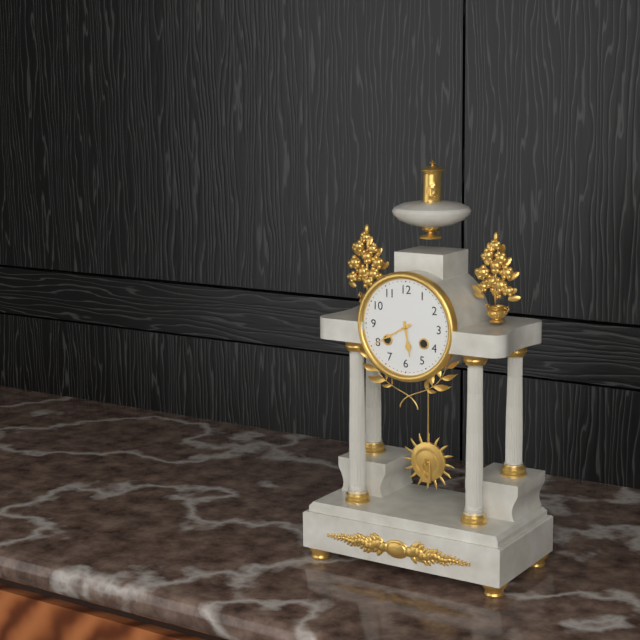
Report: 5:40
